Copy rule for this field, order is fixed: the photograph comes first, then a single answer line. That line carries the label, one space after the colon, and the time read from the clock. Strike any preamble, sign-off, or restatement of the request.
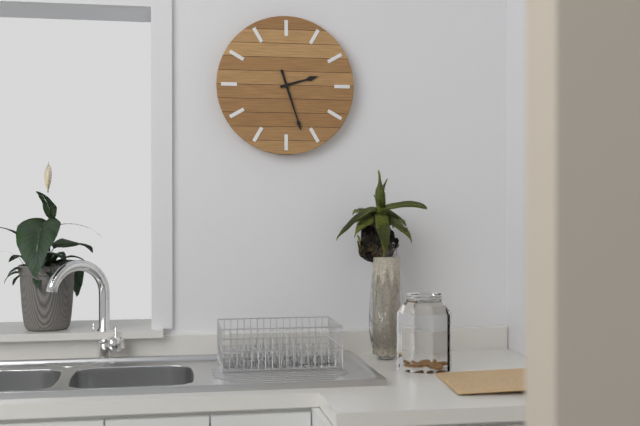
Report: 2:27
